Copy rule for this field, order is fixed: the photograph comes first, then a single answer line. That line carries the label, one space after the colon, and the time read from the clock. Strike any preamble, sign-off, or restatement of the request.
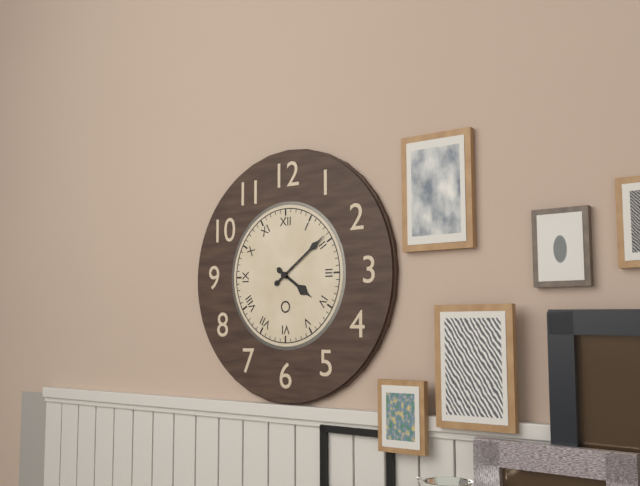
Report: 4:09
